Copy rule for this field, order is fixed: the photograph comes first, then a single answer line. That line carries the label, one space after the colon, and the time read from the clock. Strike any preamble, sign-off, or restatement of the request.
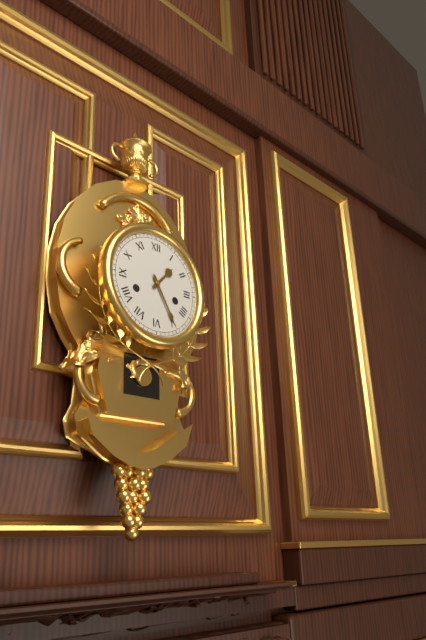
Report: 1:25
